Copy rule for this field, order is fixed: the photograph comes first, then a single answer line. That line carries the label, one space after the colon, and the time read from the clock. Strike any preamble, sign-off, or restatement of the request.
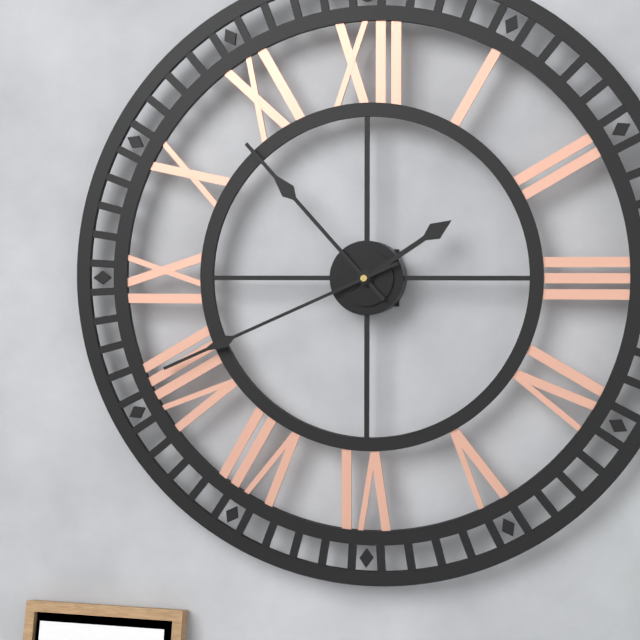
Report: 1:53:41
